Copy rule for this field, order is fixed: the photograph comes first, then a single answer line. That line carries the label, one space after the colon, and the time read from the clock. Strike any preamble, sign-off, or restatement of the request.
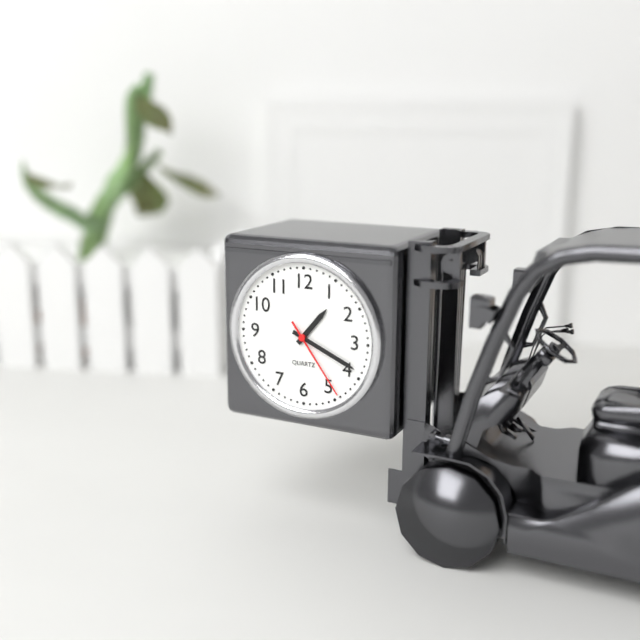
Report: 1:19:24
